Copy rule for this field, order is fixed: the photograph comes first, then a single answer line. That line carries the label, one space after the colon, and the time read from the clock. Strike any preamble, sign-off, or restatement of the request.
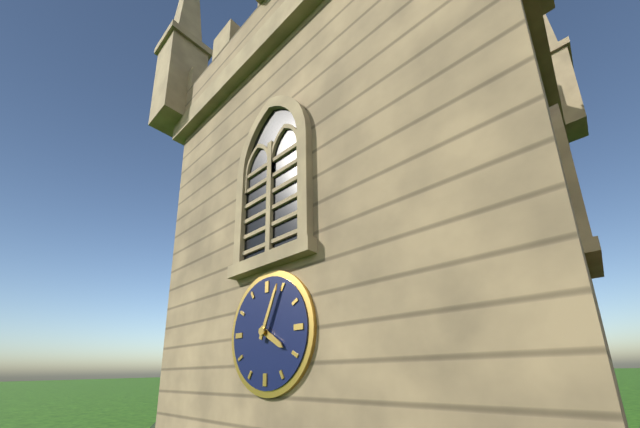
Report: 4:04
